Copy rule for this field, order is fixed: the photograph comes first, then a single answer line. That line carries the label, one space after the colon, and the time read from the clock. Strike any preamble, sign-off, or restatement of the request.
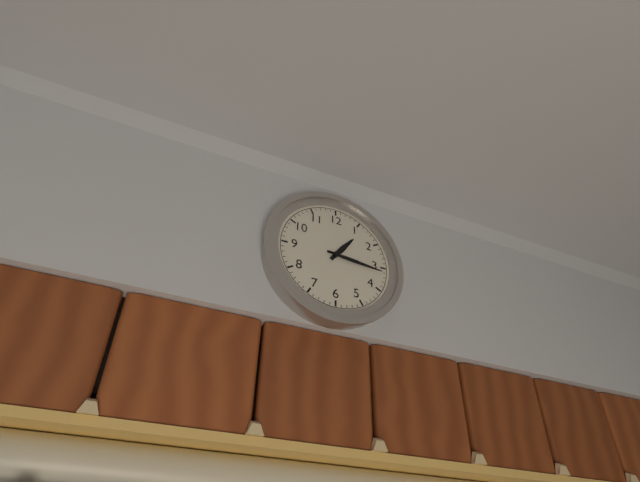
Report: 1:16
